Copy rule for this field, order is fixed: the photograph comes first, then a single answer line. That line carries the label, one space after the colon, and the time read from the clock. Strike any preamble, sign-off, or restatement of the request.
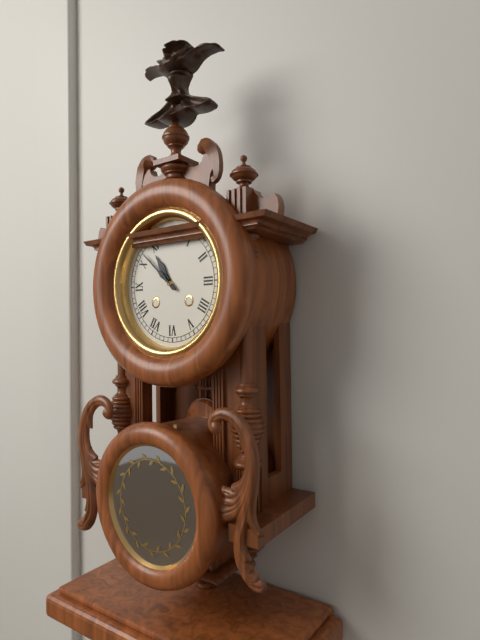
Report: 10:52
